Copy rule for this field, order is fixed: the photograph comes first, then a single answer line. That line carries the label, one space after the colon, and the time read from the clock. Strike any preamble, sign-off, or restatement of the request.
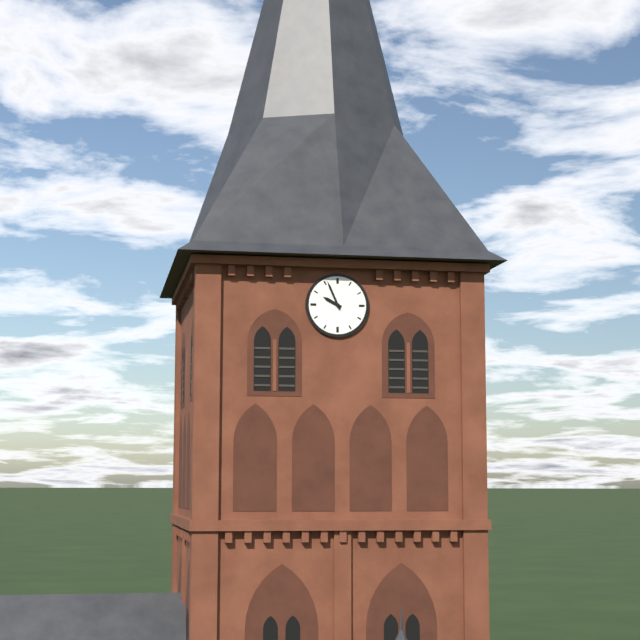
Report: 9:56
